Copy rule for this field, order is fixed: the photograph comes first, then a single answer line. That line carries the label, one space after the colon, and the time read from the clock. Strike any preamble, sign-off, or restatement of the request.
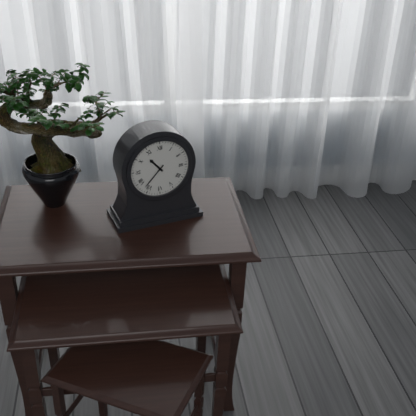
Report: 10:37
